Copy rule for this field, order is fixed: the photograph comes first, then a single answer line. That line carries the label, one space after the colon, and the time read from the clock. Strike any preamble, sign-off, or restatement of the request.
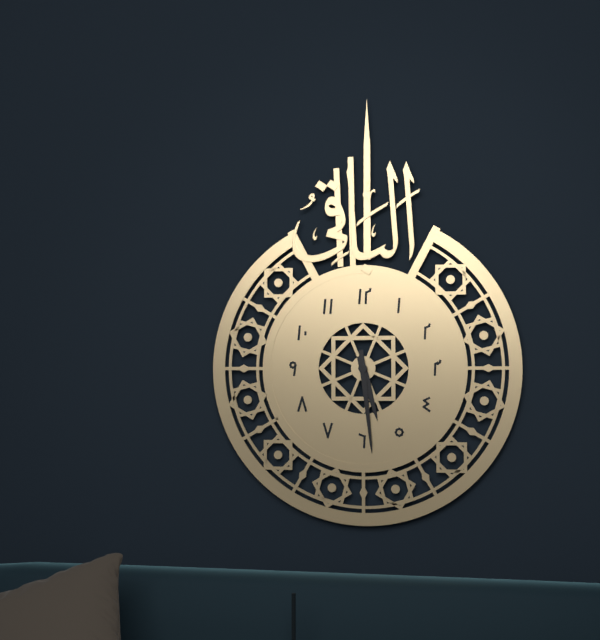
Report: 5:29
